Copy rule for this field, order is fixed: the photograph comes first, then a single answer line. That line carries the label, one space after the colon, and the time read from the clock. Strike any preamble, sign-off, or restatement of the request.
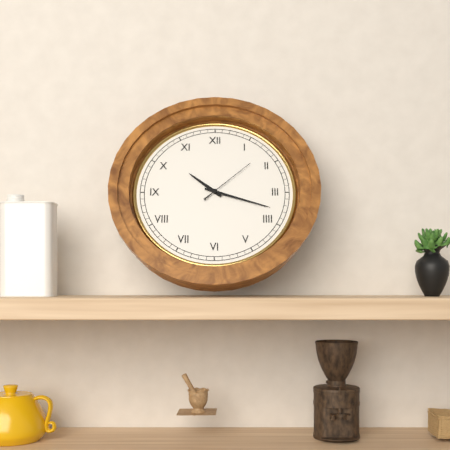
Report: 10:18:08
